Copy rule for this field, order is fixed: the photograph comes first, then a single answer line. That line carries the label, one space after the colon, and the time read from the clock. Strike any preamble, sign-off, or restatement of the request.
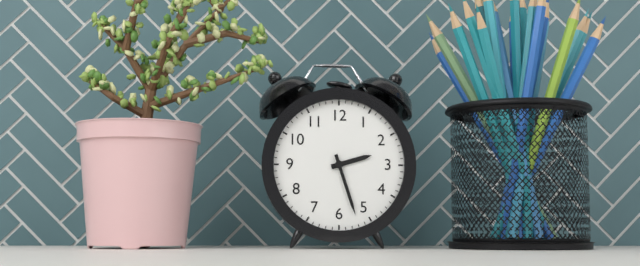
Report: 2:27
